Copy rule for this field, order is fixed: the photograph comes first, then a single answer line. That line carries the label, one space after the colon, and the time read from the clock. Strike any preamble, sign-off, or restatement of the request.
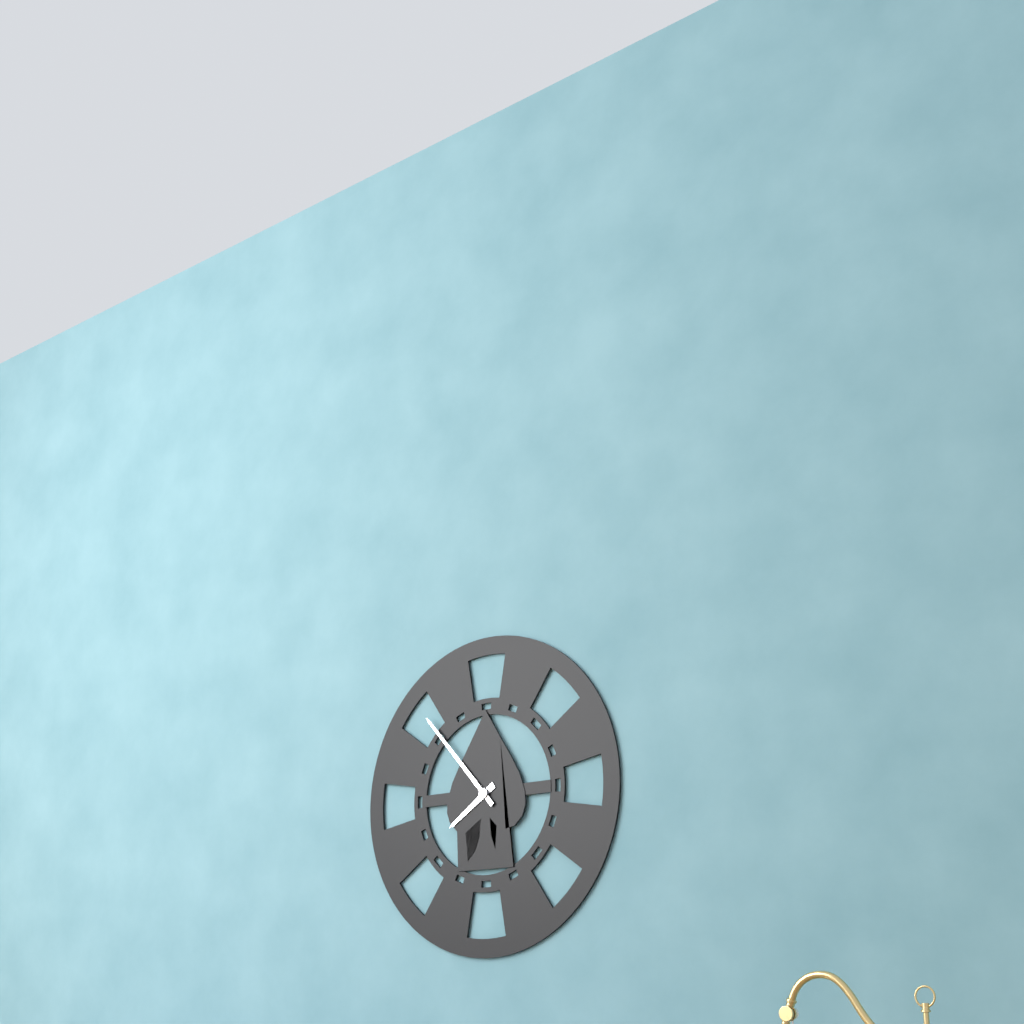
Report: 7:53
